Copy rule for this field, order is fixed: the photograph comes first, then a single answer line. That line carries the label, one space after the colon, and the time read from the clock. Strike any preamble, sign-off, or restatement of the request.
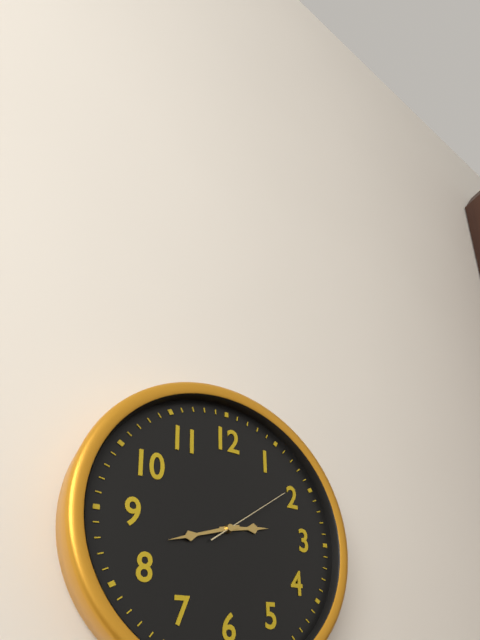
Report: 2:42:09
